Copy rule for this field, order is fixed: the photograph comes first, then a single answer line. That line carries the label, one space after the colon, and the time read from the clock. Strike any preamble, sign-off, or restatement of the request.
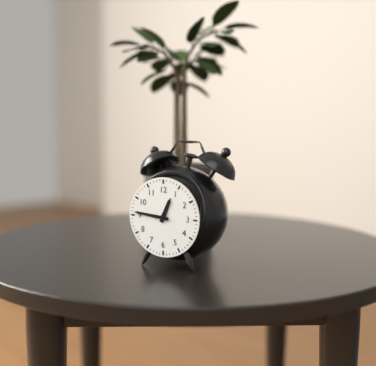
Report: 12:46
